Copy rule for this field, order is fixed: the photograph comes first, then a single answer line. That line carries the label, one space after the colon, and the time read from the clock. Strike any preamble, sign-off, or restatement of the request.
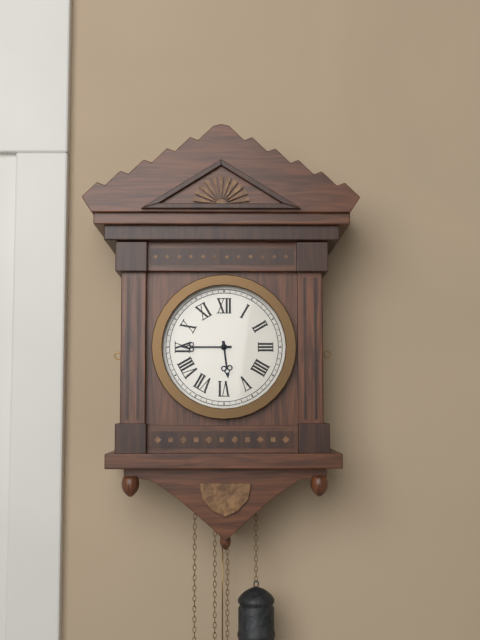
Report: 5:45
